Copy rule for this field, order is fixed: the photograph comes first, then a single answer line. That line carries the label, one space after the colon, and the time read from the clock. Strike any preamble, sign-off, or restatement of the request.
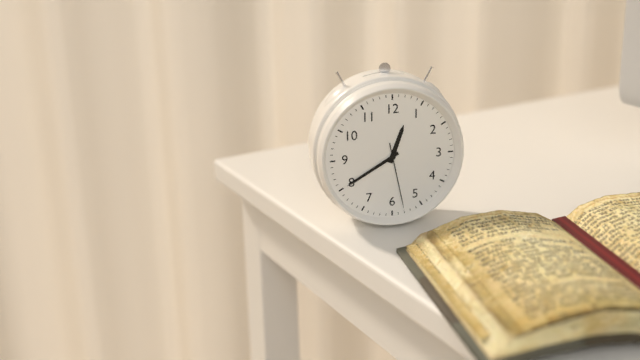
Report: 12:40:28
